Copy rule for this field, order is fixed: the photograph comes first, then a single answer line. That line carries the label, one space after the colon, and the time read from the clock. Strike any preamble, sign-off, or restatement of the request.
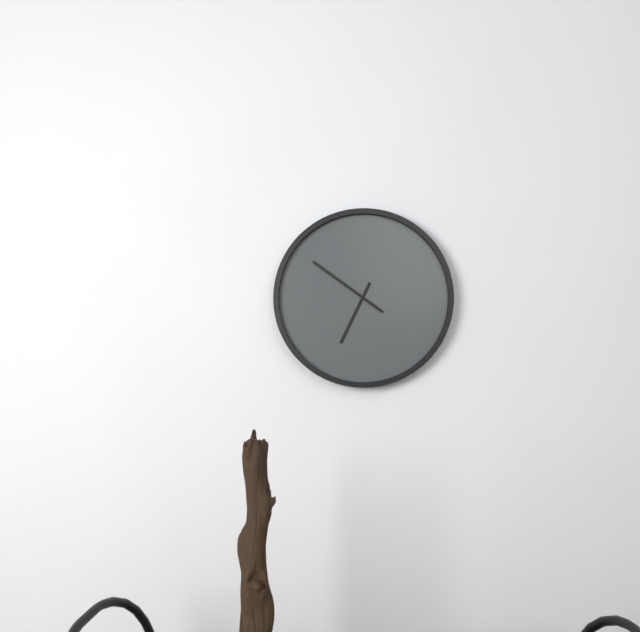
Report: 6:51
